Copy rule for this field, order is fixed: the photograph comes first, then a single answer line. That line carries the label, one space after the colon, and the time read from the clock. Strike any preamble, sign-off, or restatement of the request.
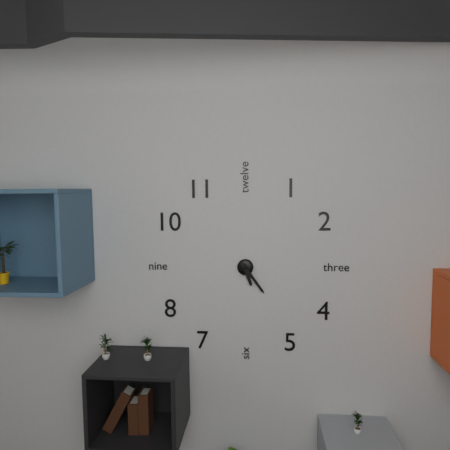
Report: 5:24
